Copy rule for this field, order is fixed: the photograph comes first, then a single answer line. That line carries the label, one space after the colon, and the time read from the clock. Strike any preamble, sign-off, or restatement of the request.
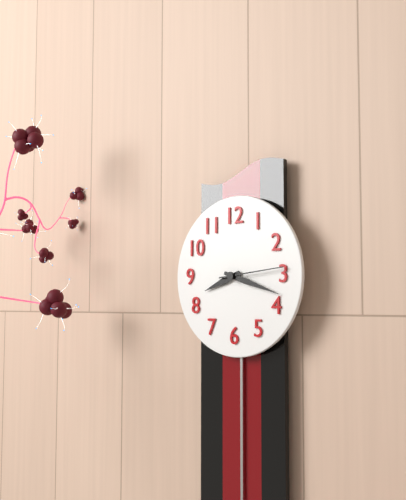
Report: 8:18:14
